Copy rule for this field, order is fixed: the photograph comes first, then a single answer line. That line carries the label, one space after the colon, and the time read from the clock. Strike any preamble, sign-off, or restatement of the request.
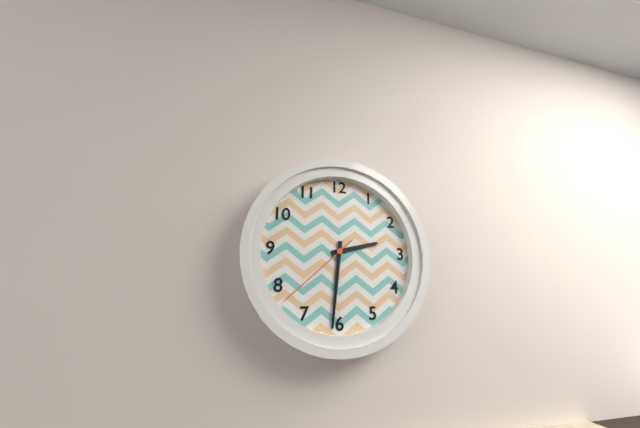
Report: 2:31:38
